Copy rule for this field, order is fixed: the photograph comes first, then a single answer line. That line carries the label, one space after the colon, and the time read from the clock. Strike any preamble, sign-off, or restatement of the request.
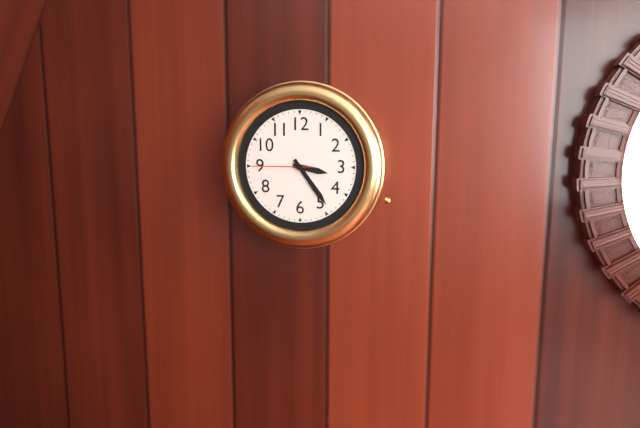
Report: 3:24:45
